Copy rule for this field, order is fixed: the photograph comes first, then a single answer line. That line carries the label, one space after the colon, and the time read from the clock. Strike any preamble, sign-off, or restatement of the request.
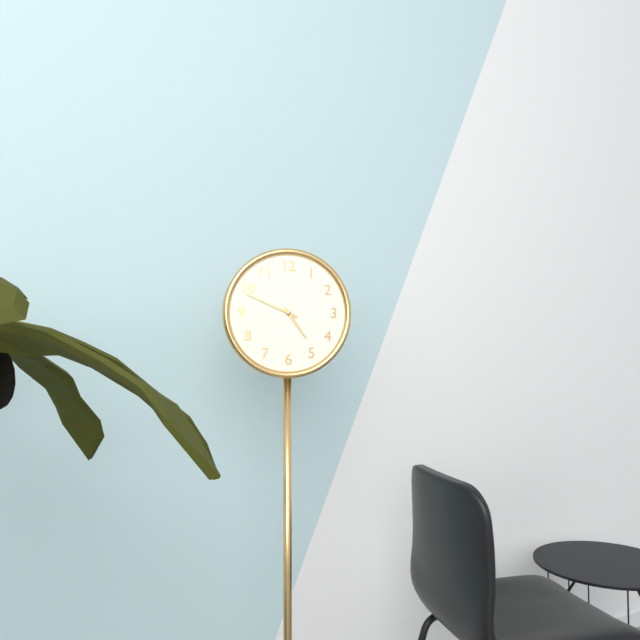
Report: 4:49
